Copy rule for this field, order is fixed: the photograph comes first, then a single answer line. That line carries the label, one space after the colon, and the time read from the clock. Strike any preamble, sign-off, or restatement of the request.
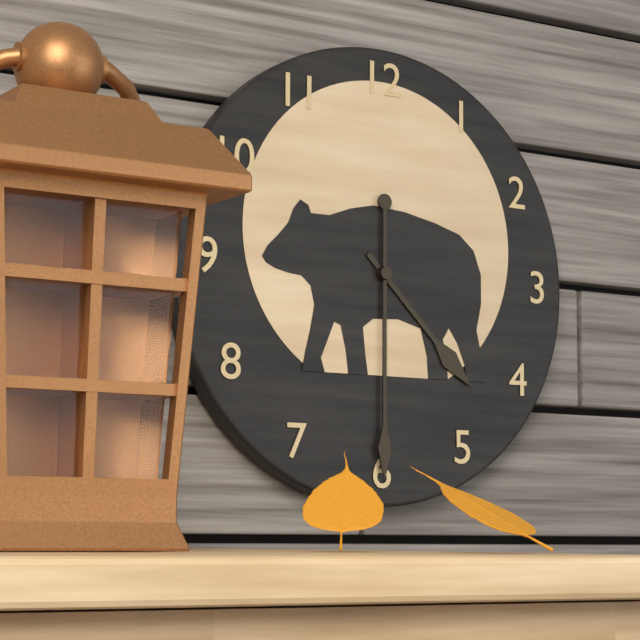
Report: 4:30
